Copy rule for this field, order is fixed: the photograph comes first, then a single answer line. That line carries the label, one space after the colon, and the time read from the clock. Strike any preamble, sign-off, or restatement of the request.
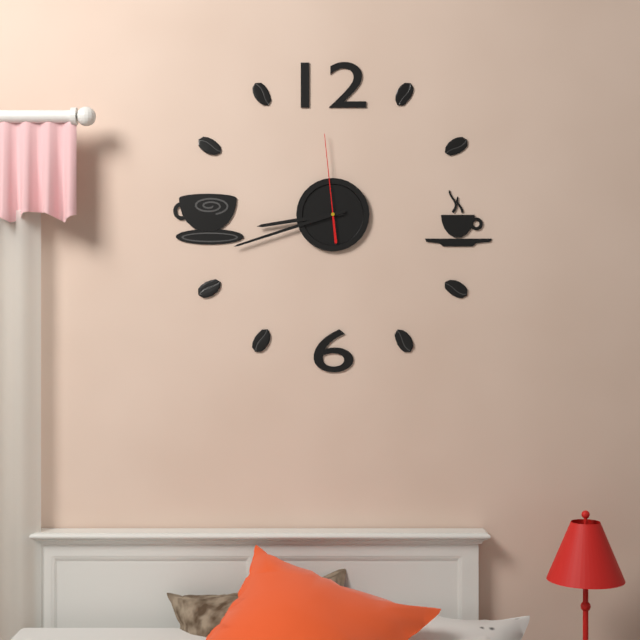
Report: 8:42:59
